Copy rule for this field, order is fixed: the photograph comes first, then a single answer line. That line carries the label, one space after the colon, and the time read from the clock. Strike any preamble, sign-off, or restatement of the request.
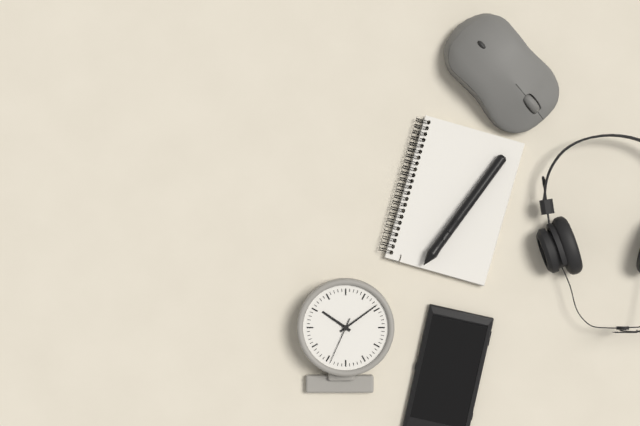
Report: 10:09
